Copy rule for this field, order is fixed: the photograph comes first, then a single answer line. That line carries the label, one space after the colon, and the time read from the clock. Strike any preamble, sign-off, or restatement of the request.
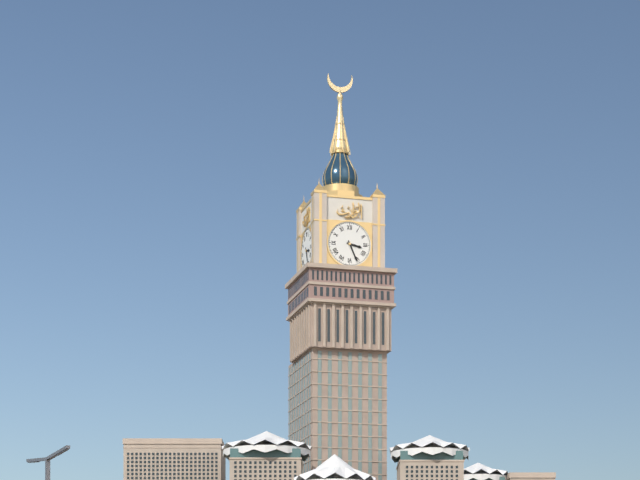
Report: 3:26
